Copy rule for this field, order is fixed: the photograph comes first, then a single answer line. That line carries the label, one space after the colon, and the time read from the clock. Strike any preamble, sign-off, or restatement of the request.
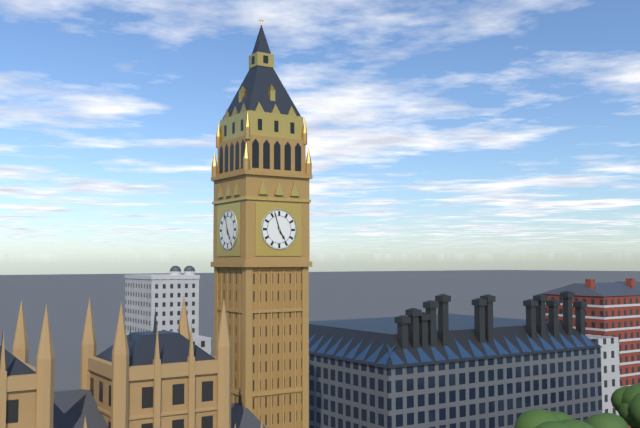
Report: 4:57
